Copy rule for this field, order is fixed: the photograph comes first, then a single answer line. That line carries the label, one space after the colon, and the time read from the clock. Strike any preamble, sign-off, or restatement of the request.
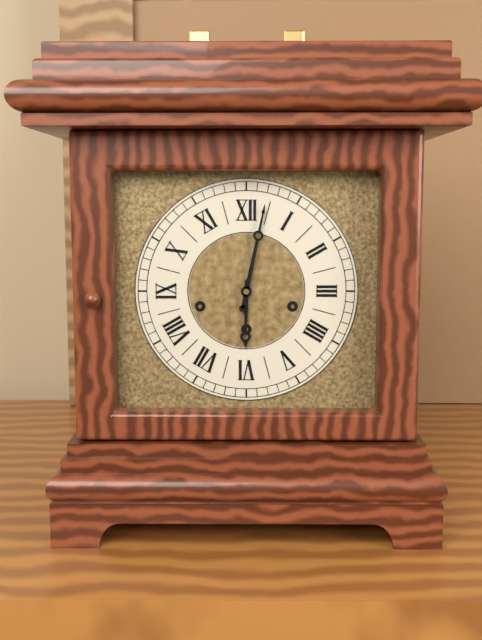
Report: 6:02
